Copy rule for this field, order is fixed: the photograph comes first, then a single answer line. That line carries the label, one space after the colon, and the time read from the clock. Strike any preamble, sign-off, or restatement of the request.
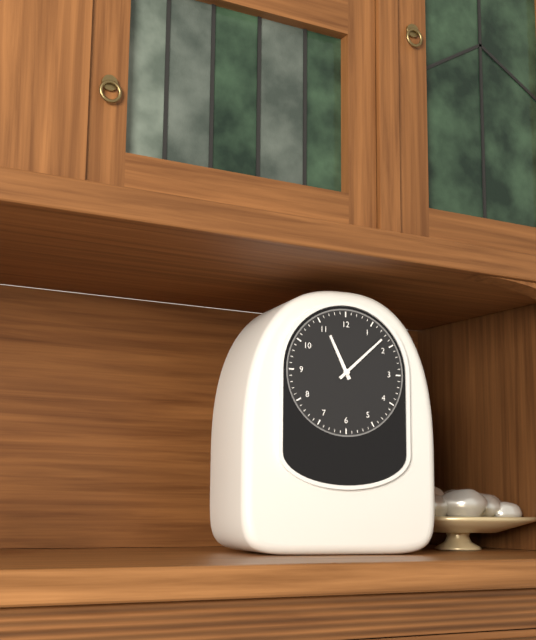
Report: 11:08
